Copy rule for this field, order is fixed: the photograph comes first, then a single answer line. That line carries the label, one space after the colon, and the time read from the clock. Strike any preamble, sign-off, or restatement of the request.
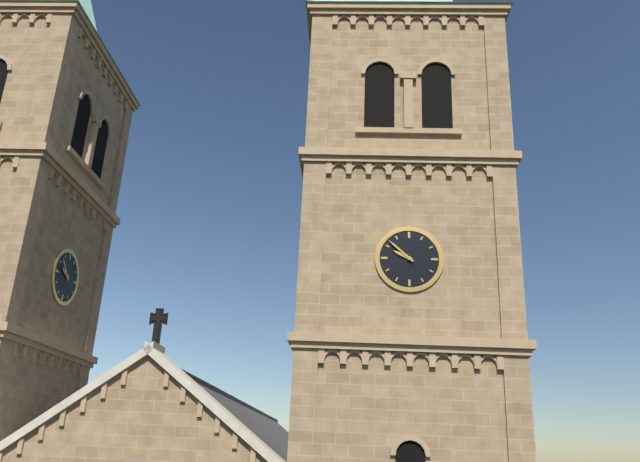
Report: 9:52
